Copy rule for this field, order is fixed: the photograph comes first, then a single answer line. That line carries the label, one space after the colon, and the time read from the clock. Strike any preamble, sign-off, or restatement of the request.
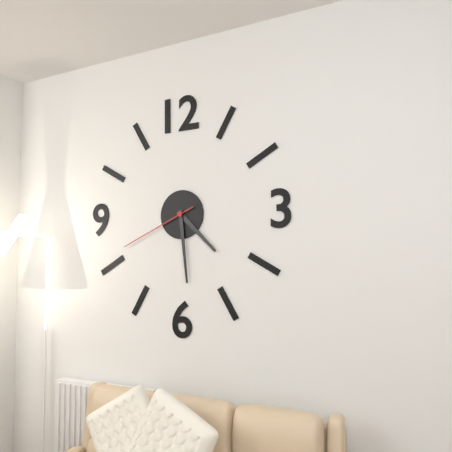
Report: 4:29:41
